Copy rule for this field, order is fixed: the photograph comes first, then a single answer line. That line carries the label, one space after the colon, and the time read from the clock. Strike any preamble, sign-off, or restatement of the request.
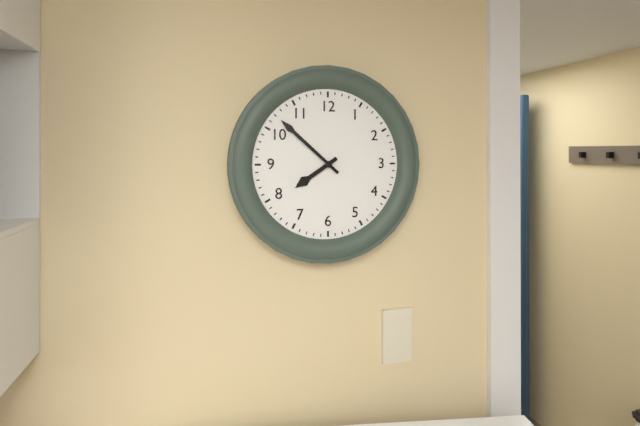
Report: 7:52
